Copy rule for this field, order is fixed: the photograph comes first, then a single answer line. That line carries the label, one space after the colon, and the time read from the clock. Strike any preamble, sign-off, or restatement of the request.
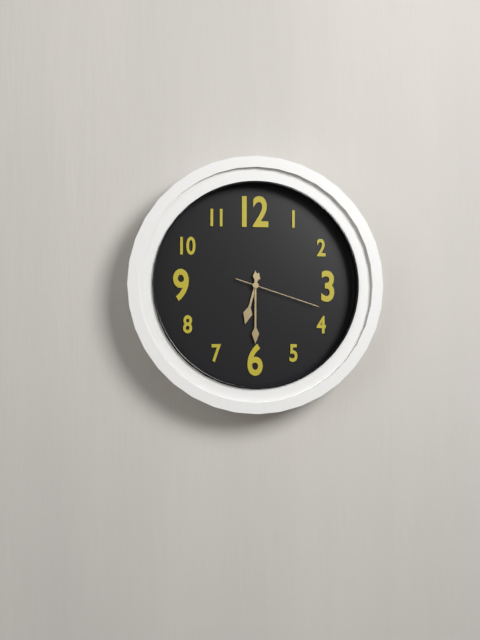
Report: 6:30:18
